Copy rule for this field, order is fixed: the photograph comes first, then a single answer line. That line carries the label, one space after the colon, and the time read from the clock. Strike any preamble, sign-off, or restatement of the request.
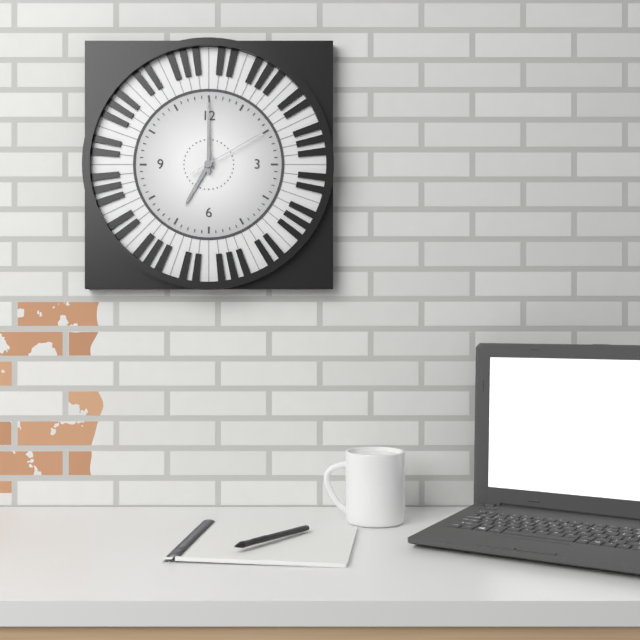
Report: 7:00:10
